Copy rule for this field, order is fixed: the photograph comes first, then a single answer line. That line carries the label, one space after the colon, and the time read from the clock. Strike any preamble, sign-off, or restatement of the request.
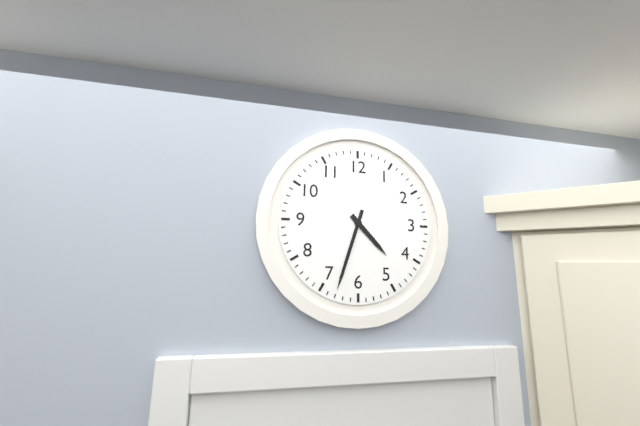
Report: 4:33
